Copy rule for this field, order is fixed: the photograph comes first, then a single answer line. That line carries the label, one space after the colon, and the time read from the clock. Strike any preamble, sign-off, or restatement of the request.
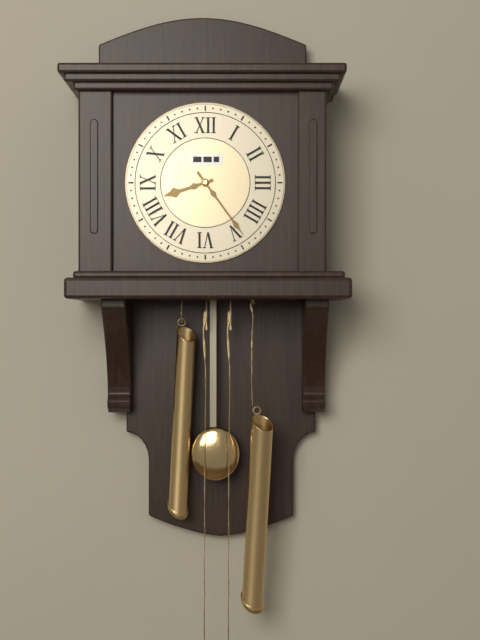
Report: 8:24
